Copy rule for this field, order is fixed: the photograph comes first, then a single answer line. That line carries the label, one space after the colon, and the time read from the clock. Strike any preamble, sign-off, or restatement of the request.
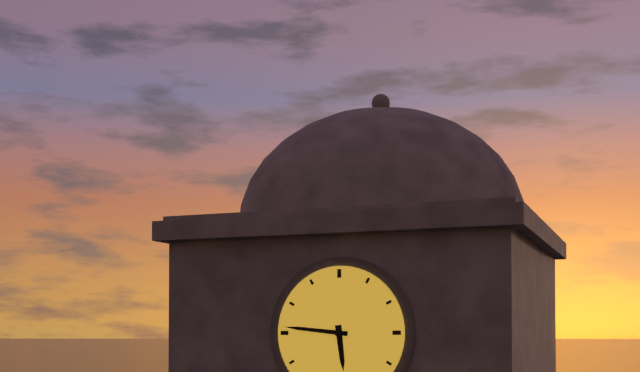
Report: 5:46
